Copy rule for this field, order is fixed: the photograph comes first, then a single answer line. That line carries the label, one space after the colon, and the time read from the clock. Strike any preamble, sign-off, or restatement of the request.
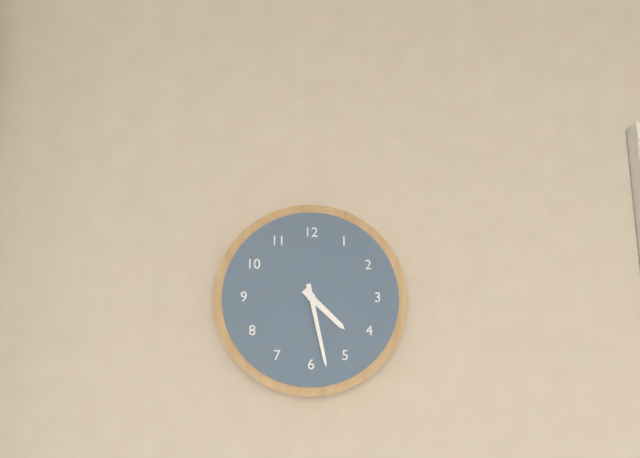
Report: 4:28
